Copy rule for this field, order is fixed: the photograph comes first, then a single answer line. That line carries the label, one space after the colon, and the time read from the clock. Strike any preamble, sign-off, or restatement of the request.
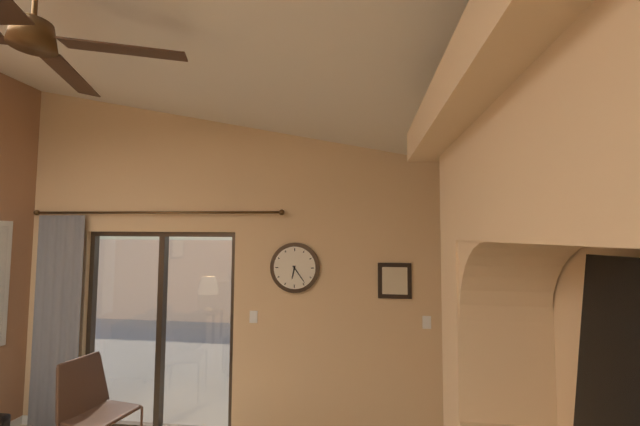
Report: 6:24
